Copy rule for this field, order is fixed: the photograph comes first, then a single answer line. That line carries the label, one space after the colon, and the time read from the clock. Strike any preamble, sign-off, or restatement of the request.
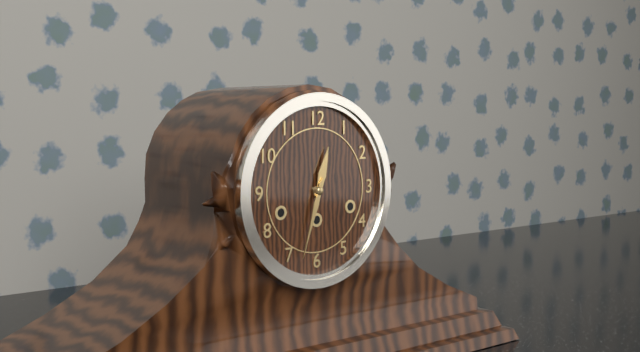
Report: 12:33
